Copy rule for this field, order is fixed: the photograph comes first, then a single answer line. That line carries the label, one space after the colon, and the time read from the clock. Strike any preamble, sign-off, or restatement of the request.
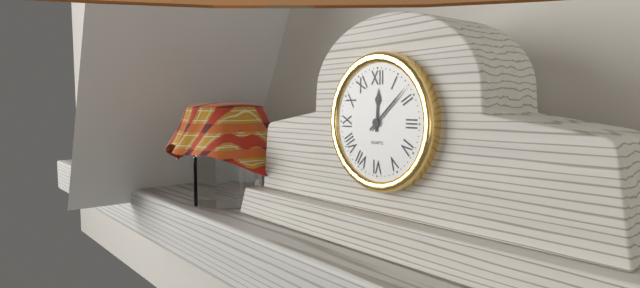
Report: 12:08
